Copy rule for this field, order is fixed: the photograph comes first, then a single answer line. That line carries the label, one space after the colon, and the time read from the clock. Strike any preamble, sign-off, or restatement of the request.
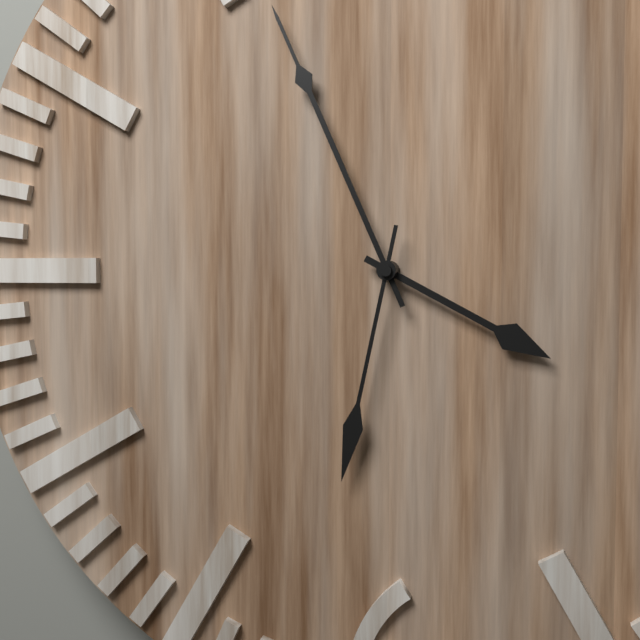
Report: 3:56:32
